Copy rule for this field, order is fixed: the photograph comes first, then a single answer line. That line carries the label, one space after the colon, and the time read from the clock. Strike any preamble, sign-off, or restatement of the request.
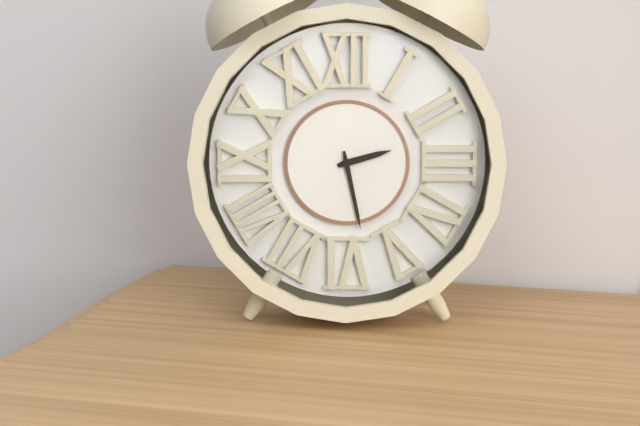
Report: 2:28
